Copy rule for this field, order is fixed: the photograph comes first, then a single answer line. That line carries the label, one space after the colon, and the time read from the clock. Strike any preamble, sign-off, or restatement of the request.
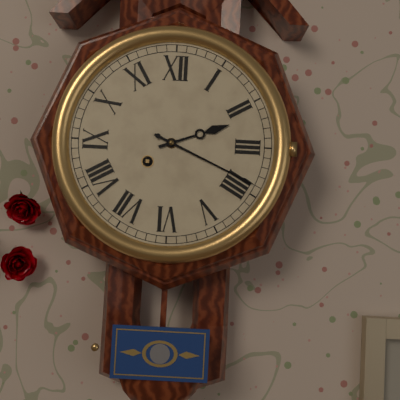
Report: 2:19
